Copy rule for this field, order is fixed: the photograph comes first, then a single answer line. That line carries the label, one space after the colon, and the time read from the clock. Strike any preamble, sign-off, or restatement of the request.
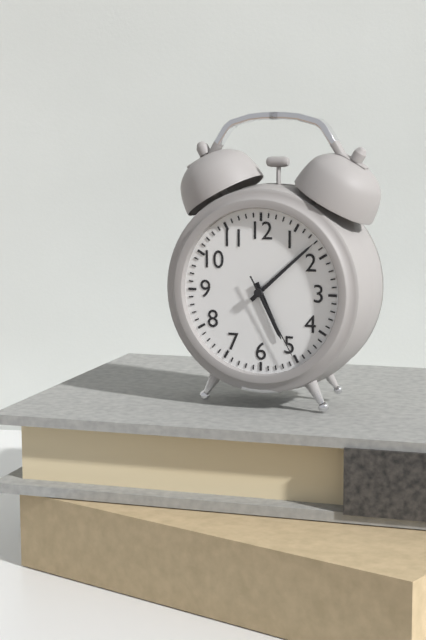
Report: 5:08:25
